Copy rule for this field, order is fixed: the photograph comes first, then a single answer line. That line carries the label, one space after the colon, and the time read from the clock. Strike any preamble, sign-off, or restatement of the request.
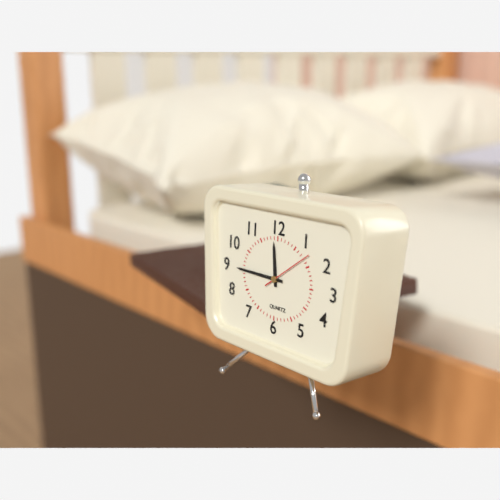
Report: 11:45:09
